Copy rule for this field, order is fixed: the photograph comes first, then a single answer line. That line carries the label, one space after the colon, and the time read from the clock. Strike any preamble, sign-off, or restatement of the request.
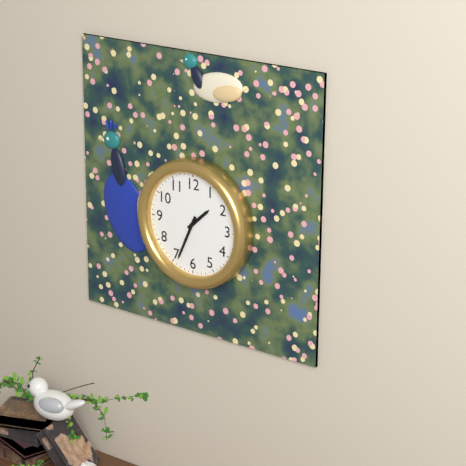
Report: 1:34
